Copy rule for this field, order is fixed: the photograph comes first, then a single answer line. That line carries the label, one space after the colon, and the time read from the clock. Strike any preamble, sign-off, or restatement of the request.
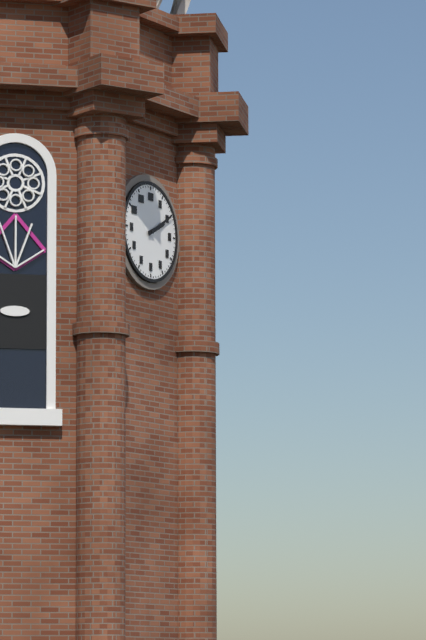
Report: 2:10
